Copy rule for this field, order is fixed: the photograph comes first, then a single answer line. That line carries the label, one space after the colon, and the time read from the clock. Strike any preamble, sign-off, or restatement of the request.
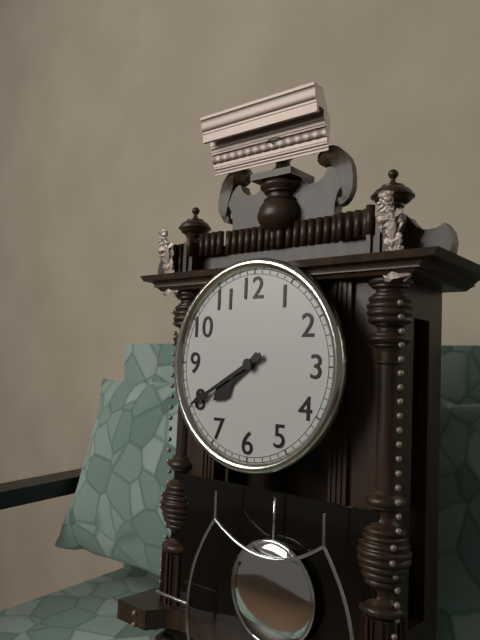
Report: 7:40
